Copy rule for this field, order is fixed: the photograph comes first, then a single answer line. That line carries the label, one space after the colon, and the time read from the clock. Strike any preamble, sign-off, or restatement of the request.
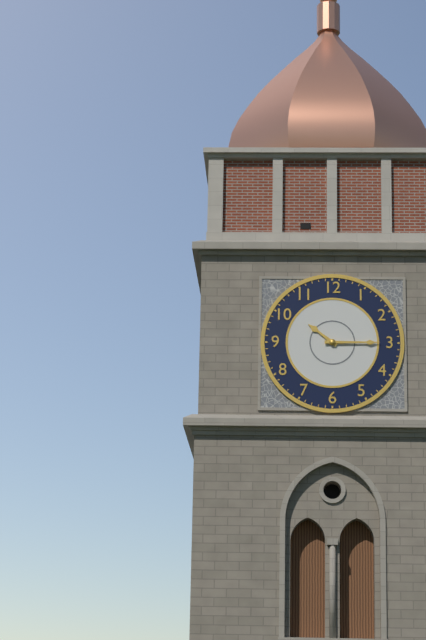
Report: 10:15
